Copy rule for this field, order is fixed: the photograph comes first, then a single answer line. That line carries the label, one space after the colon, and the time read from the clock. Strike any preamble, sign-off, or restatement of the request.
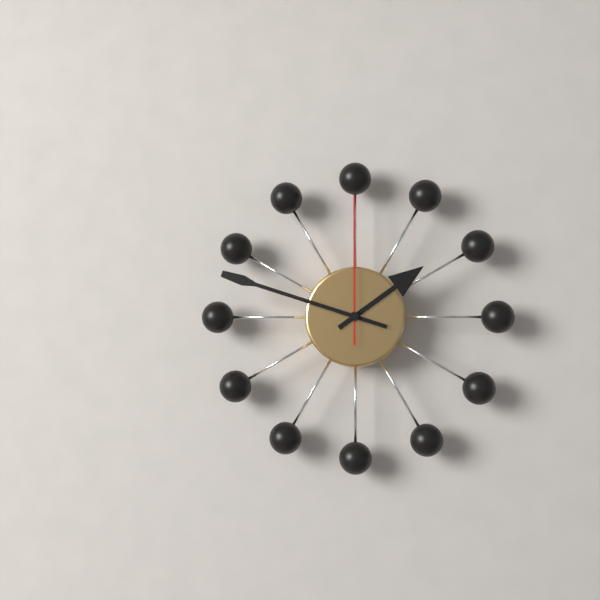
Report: 1:48:00
